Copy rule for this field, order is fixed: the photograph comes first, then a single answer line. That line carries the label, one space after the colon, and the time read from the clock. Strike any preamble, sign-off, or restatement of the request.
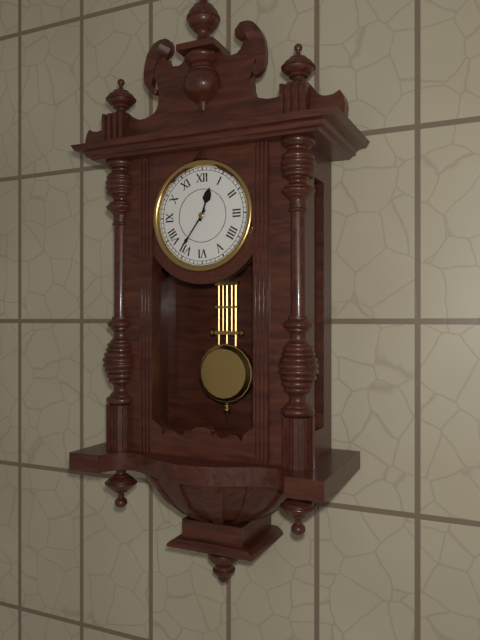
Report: 12:36
